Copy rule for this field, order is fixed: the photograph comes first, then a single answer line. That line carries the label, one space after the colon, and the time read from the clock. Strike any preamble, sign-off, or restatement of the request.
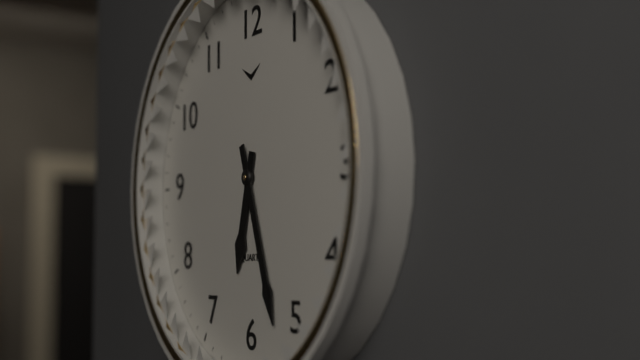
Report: 6:27
